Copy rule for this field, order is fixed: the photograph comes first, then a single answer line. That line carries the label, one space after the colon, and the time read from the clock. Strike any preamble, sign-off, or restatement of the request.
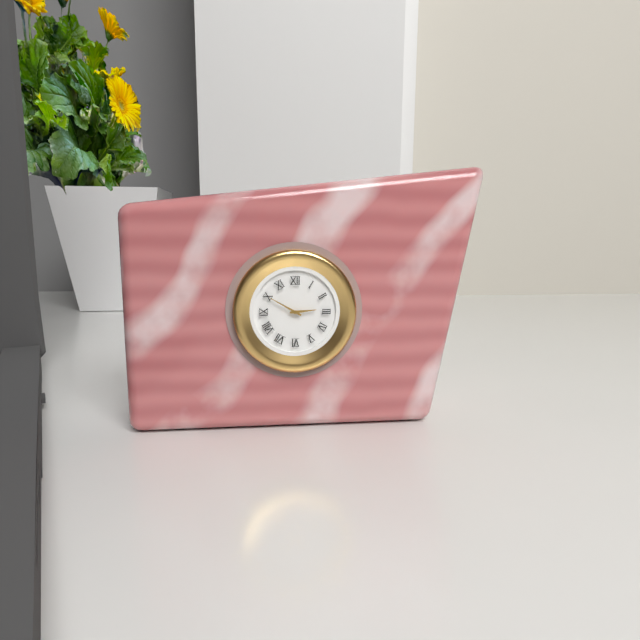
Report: 2:50
